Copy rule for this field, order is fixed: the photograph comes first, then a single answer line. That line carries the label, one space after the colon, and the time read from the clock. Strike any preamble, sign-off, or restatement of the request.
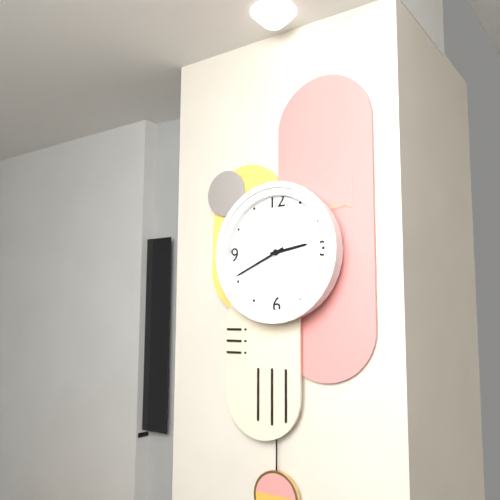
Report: 2:41
